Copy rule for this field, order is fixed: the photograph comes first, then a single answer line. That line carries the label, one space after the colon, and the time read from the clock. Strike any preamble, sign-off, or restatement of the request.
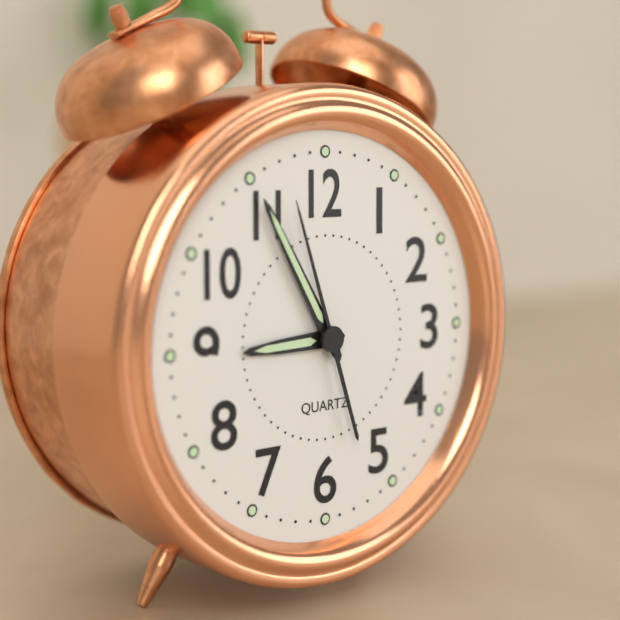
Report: 8:55:57
